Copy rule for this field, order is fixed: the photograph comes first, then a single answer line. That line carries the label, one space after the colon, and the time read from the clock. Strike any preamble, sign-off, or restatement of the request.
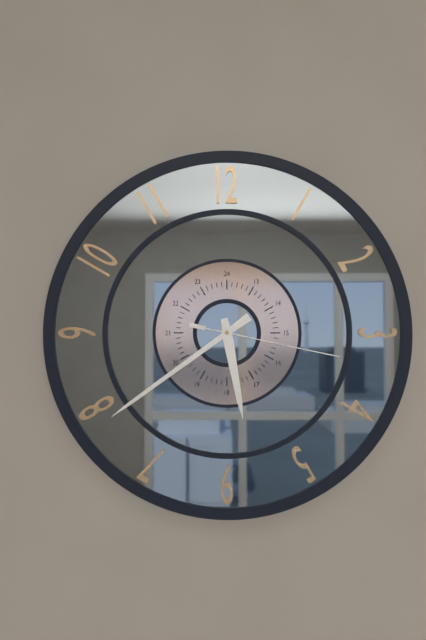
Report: 5:39:17
